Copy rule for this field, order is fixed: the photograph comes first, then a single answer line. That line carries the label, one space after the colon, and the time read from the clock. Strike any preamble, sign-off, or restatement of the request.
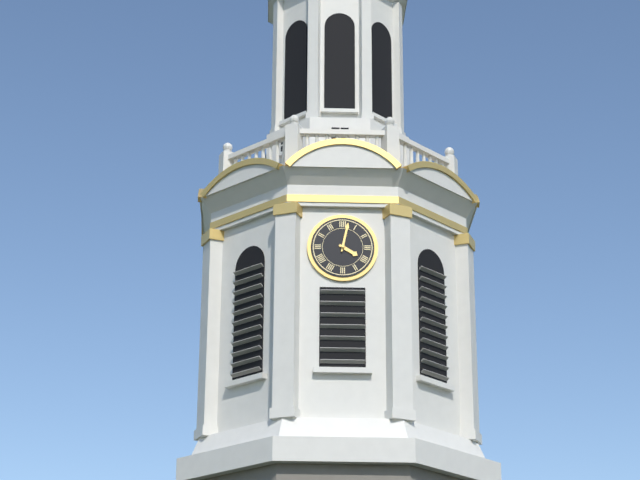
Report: 4:02
